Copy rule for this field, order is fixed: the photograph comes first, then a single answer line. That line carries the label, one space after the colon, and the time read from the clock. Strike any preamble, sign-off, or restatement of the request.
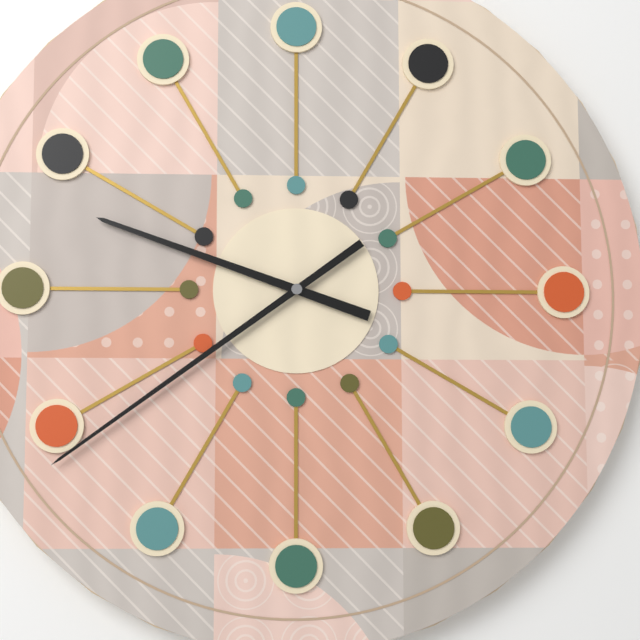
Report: 9:39
